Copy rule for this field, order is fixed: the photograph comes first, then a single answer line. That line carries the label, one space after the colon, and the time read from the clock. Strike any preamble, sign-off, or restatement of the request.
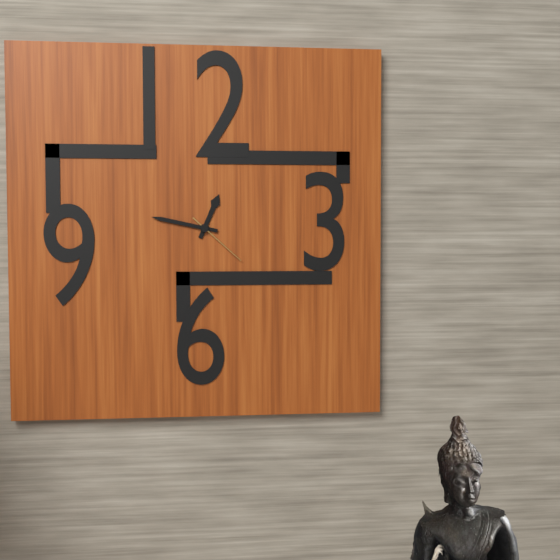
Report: 12:47:22
